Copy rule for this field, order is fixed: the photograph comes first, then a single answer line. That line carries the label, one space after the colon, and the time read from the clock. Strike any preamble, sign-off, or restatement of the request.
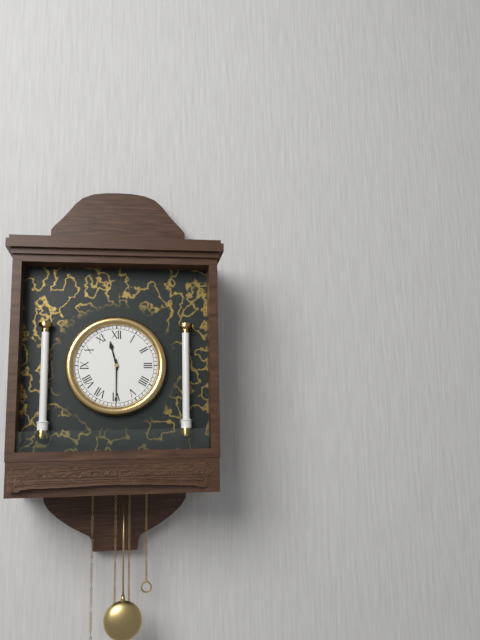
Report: 11:30
